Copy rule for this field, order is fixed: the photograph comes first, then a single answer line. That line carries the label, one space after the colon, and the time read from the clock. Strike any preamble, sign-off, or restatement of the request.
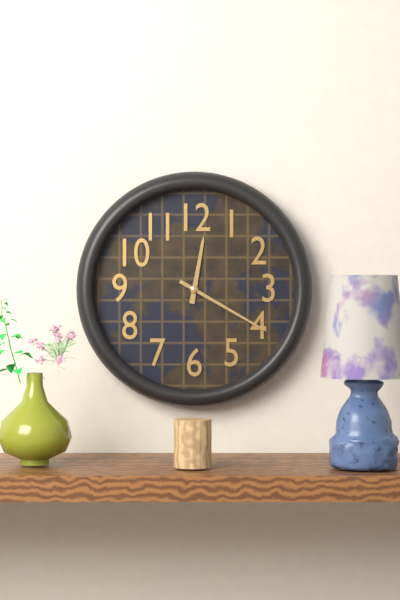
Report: 12:20
